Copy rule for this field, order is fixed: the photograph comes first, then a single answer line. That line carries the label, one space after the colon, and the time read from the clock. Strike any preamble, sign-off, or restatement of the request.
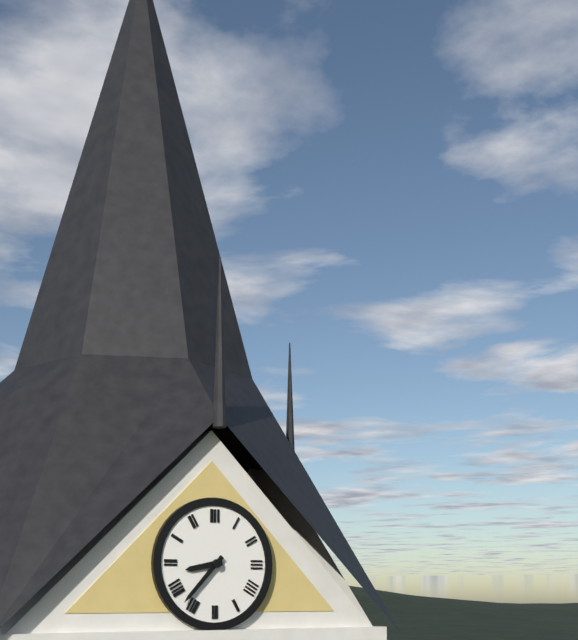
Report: 8:37
